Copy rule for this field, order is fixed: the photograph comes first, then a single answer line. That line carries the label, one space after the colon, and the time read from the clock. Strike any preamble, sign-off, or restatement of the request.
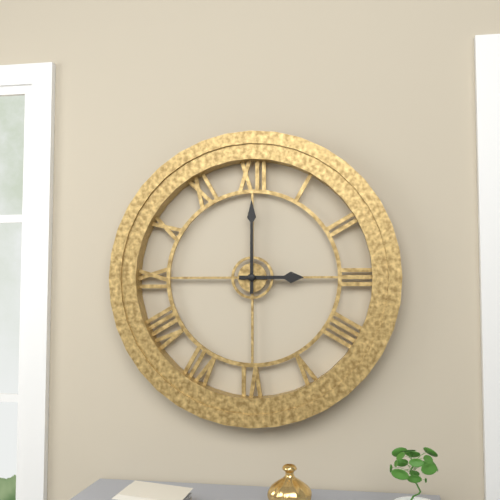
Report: 3:00
